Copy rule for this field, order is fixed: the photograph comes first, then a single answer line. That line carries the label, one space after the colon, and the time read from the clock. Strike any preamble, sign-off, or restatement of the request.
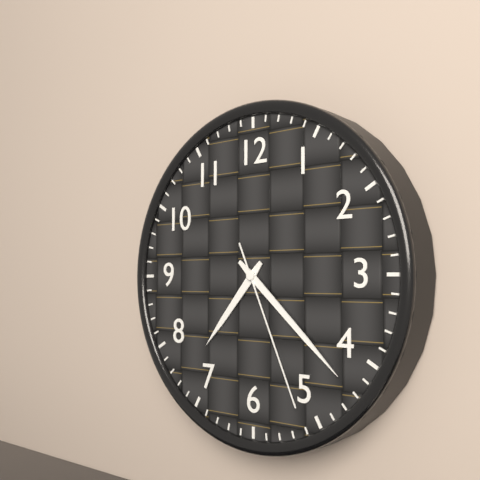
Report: 7:22:26
